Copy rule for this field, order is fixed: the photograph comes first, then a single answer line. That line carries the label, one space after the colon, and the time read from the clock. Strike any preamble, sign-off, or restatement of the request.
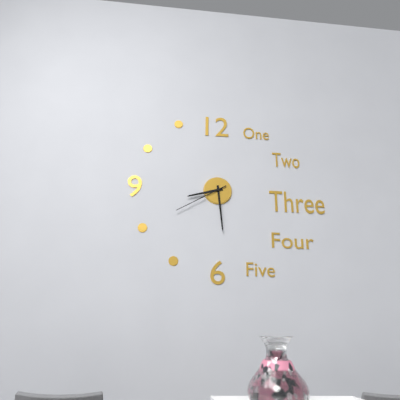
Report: 8:29:40
